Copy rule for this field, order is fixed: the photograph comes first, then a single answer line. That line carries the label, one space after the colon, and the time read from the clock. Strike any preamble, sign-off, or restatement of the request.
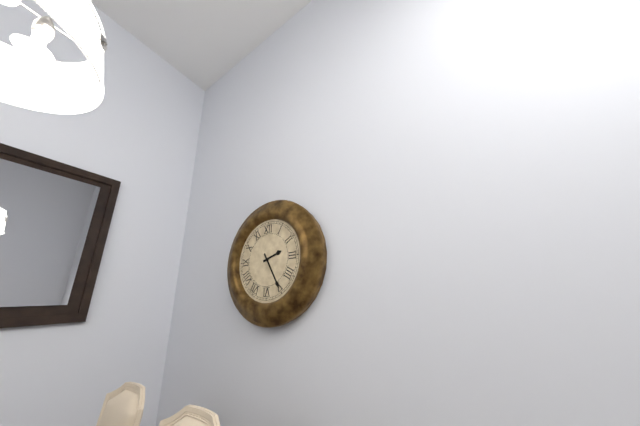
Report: 2:25
